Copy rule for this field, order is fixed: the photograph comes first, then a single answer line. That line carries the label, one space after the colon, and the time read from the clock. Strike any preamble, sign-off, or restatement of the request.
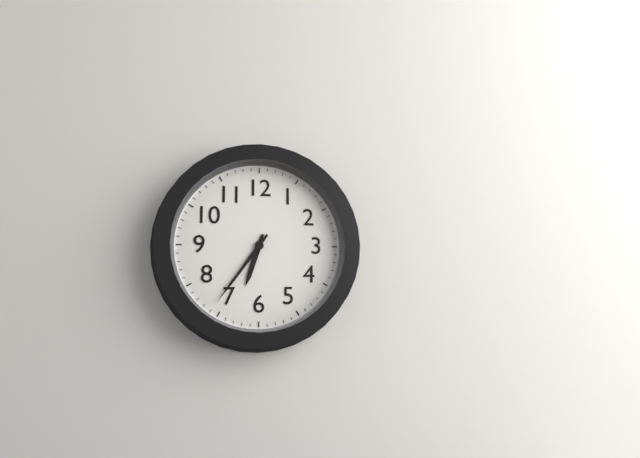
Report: 6:36
